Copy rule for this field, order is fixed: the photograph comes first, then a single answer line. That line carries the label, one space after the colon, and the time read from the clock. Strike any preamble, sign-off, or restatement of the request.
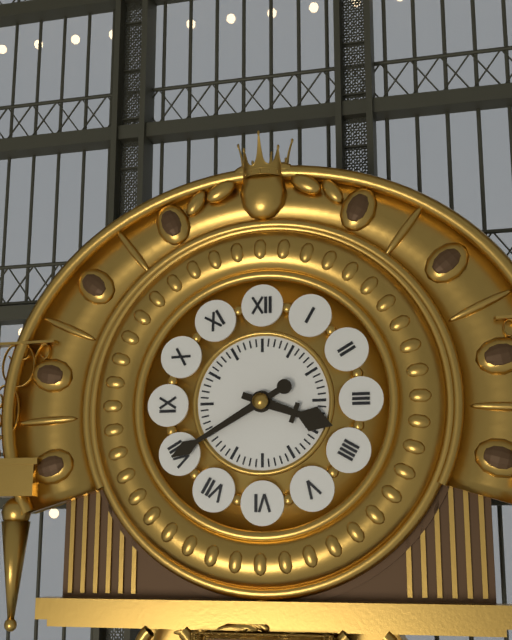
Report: 3:40
